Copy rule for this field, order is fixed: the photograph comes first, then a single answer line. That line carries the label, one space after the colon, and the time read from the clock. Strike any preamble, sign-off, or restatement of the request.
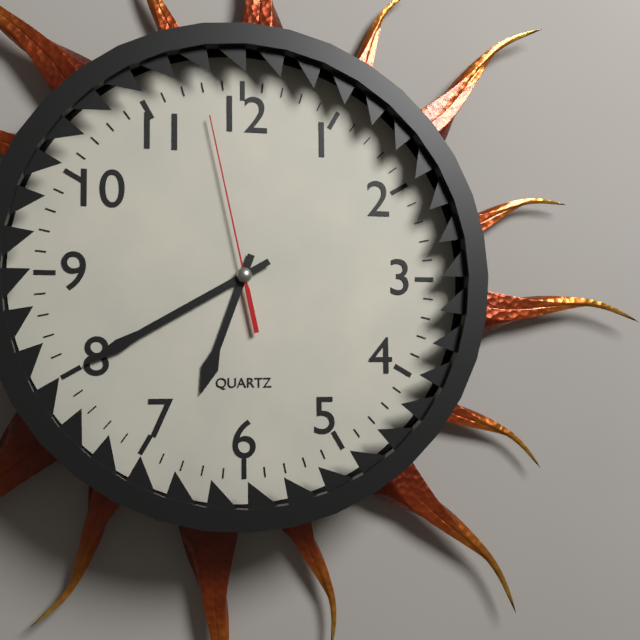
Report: 6:40:58
